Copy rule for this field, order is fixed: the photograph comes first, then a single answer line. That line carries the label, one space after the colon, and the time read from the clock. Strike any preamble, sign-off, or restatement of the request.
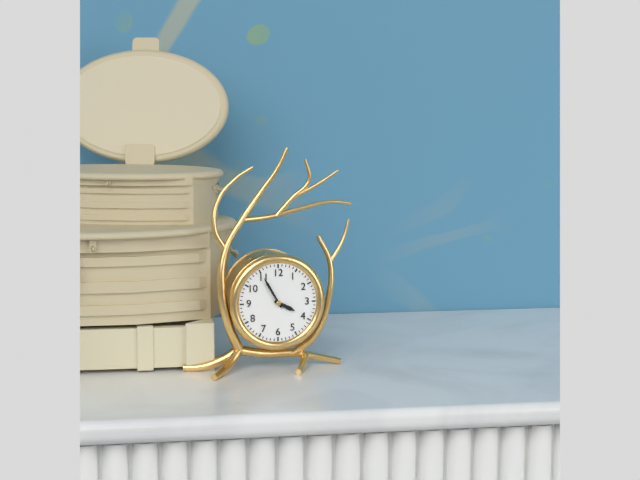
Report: 3:55
